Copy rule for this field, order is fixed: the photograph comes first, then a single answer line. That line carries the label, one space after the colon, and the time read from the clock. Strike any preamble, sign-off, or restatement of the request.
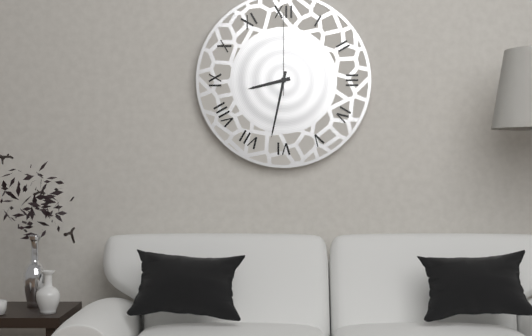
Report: 8:32:00
